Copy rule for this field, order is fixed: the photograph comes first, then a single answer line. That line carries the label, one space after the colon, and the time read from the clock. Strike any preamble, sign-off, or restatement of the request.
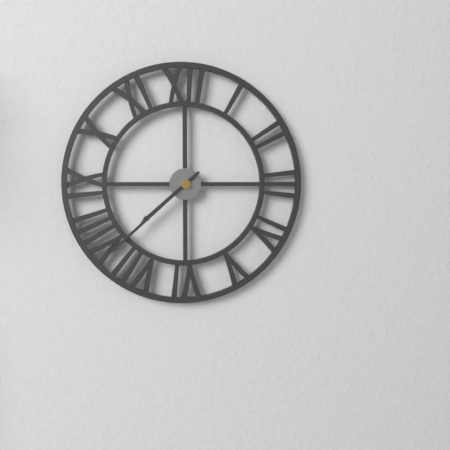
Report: 7:38
